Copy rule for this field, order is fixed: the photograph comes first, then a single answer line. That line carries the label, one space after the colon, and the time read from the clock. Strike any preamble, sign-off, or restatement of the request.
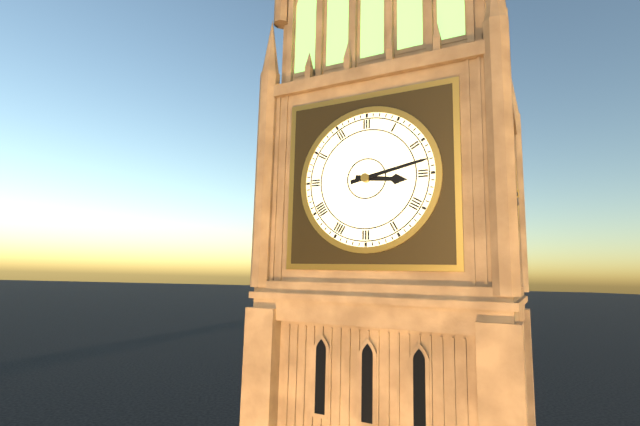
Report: 3:13
